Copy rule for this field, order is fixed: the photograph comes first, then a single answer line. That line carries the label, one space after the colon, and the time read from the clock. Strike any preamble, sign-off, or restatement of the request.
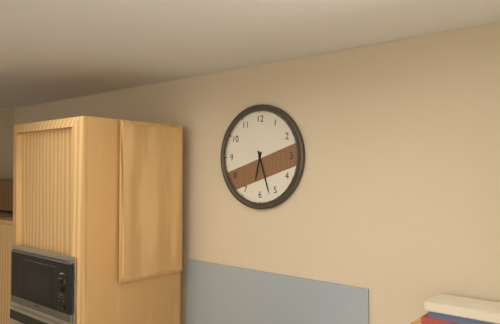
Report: 6:27
